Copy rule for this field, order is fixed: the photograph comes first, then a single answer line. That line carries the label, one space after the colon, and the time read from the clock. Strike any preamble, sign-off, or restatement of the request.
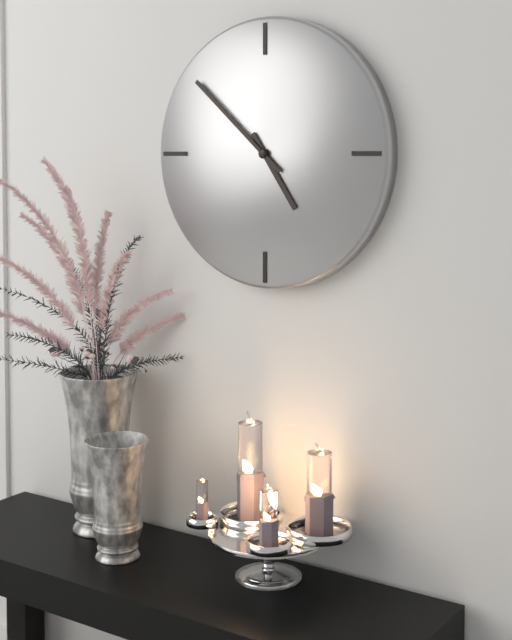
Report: 4:52
